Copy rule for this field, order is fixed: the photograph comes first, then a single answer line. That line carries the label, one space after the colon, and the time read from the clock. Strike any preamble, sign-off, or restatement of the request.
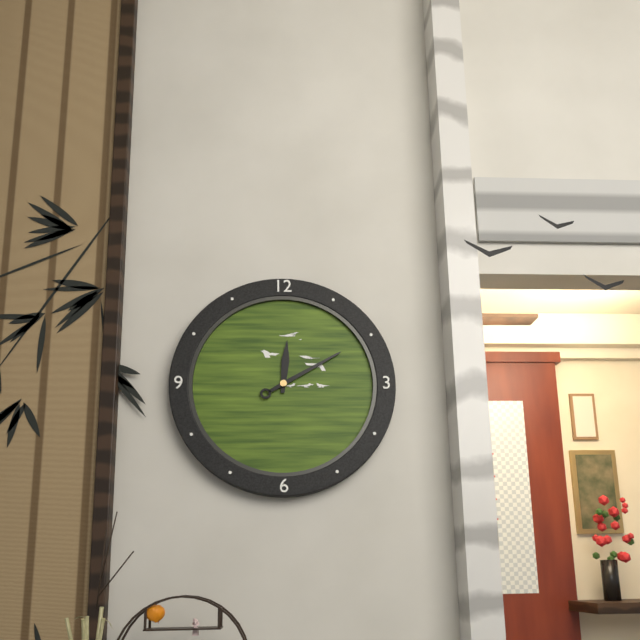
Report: 12:10
